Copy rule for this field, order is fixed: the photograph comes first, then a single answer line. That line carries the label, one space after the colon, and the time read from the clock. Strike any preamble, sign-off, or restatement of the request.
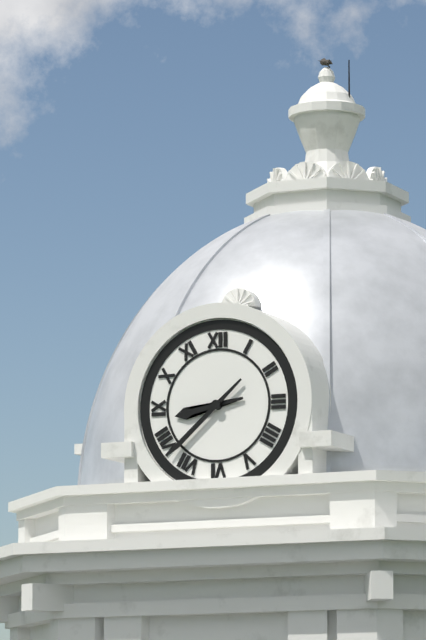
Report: 8:38
